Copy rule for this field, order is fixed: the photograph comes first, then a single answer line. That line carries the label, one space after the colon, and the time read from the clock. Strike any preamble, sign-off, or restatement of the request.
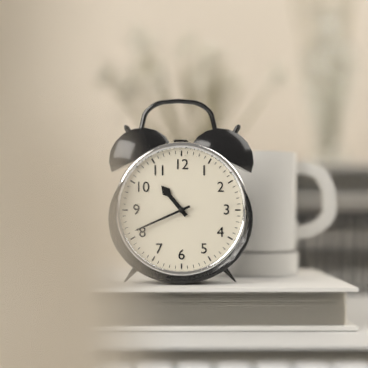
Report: 10:41
